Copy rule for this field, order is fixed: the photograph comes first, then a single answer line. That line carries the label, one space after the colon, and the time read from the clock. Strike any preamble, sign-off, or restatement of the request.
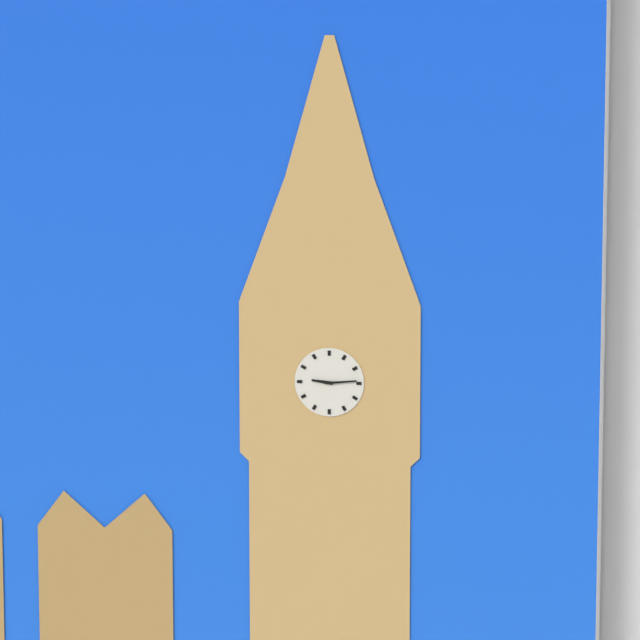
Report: 9:14
